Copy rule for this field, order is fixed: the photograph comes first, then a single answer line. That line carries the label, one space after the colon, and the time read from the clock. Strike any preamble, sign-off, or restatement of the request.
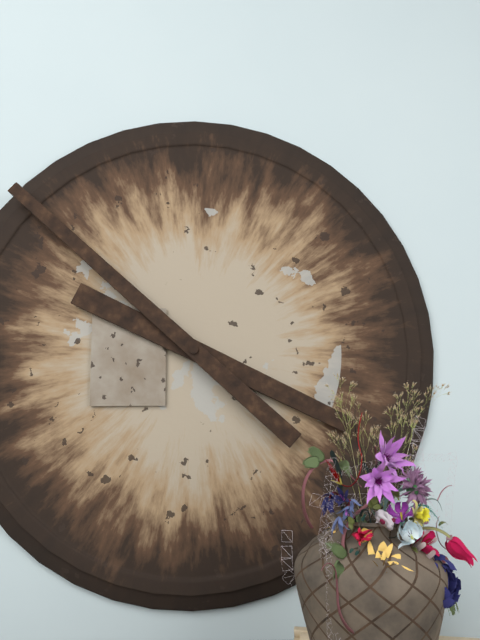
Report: 3:52
